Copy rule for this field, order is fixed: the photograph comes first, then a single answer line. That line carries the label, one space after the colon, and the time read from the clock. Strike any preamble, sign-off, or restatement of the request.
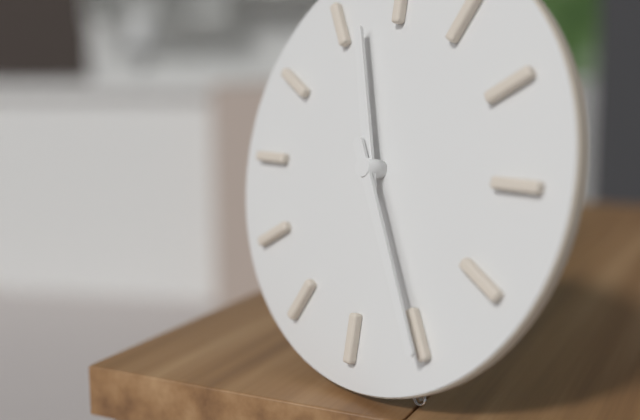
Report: 11:25
